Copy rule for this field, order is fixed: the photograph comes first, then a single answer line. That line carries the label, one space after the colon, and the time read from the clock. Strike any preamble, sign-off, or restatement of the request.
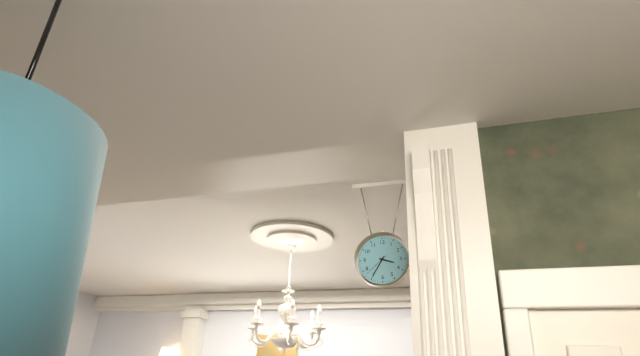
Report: 3:35
